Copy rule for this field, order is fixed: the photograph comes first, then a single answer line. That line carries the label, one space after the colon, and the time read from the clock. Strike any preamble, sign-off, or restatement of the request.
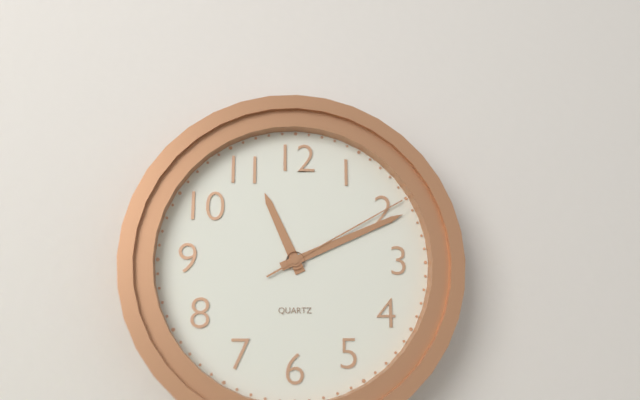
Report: 11:11:10
